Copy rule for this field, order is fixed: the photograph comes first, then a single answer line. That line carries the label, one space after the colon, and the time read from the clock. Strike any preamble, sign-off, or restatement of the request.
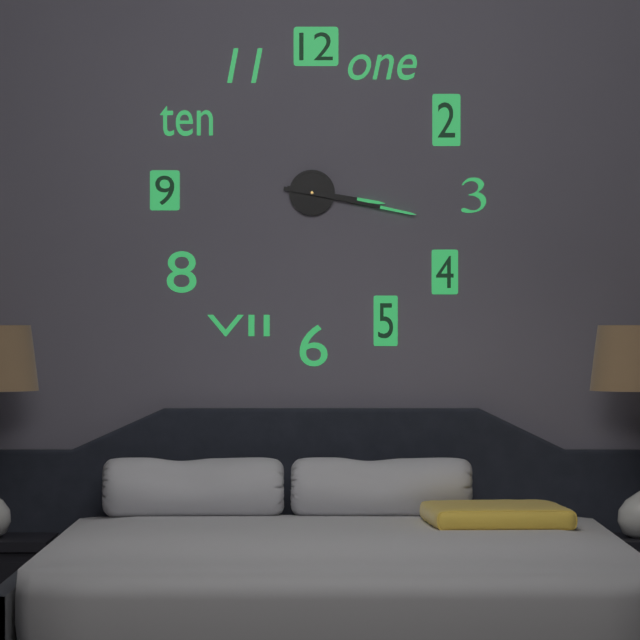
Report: 3:17
